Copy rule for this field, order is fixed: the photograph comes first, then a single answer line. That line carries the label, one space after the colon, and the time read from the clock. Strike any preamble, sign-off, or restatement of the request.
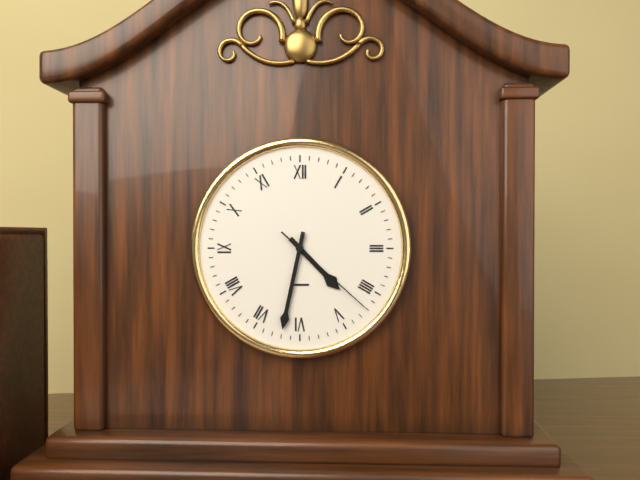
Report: 4:32:22
